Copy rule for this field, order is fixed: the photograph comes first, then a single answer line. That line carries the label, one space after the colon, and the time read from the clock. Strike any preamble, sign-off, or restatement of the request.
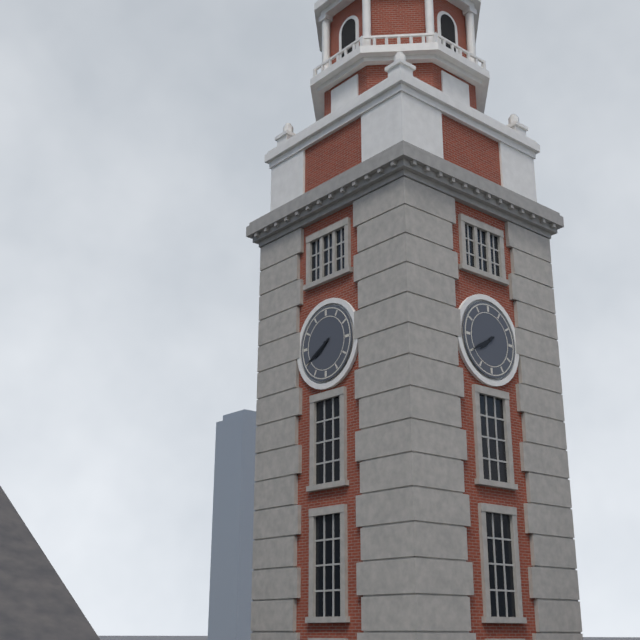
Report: 7:40
